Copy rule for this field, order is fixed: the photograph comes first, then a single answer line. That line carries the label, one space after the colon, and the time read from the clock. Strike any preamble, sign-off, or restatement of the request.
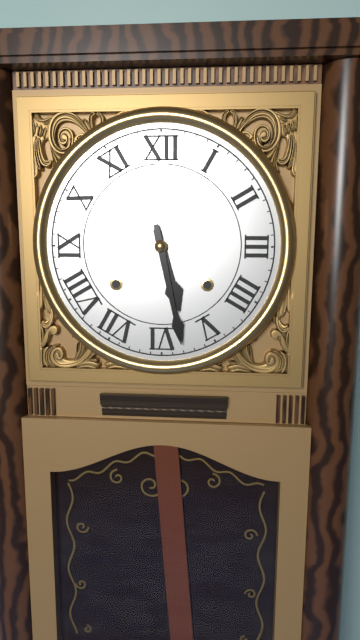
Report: 5:28
